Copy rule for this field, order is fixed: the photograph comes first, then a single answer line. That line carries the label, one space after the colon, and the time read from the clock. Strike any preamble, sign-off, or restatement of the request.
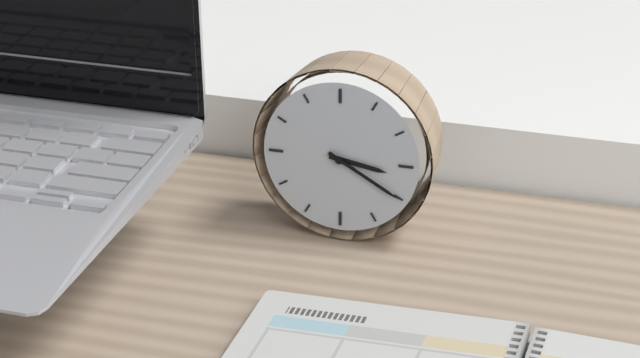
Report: 3:20
